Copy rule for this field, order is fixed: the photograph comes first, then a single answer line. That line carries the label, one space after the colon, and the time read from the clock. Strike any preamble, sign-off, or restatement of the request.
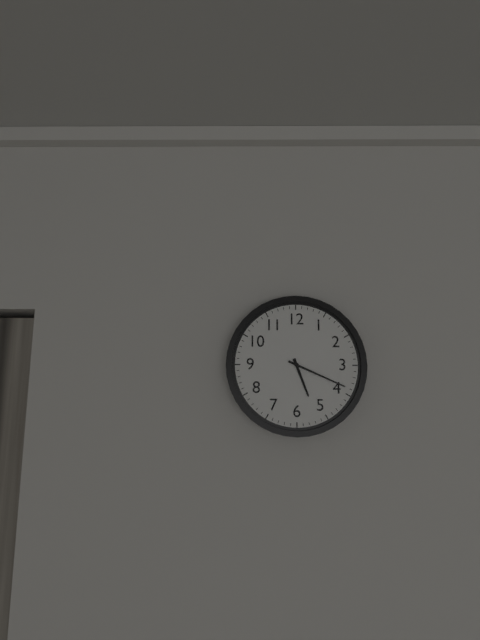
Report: 5:19
